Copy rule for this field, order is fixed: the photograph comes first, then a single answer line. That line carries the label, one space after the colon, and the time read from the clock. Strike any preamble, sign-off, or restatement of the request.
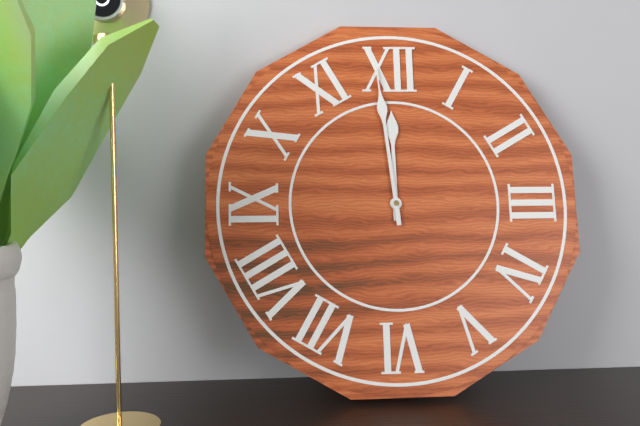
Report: 11:59
